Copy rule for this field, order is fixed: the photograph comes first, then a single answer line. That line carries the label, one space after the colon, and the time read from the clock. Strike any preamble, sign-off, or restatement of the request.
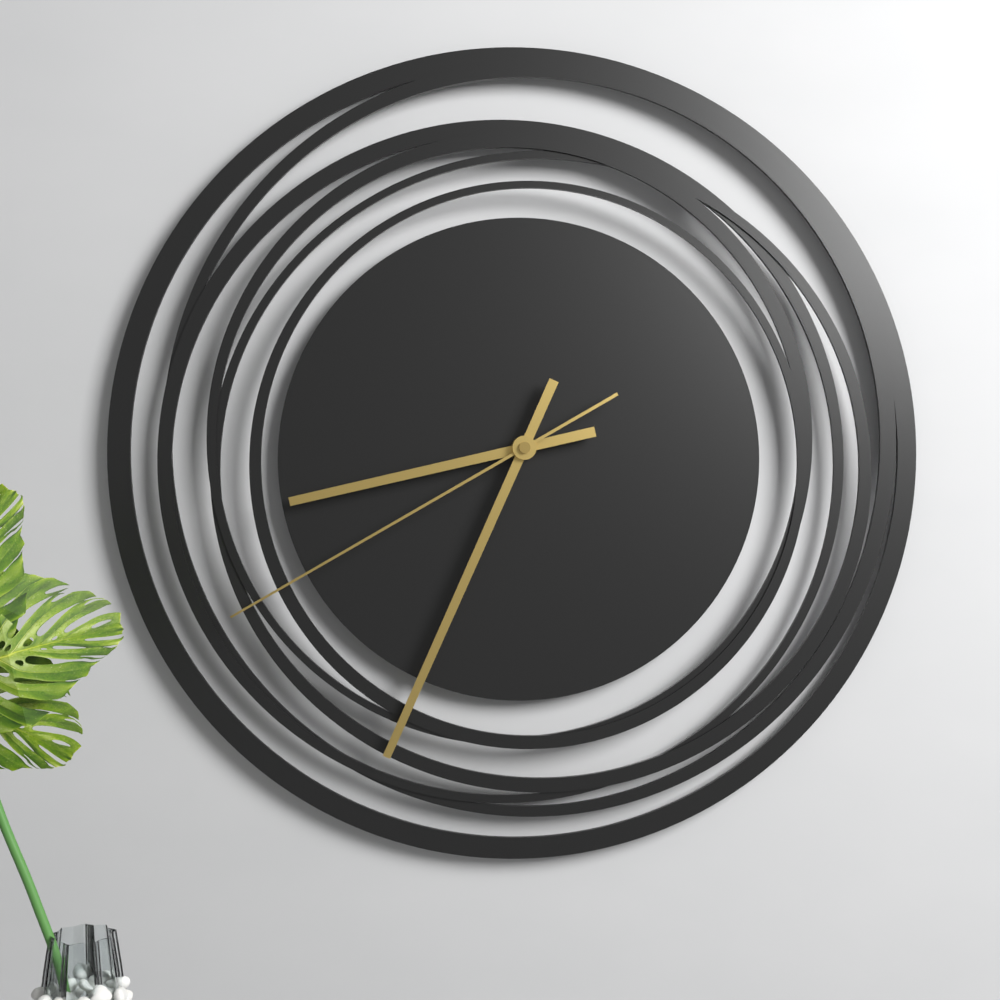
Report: 8:34:40
